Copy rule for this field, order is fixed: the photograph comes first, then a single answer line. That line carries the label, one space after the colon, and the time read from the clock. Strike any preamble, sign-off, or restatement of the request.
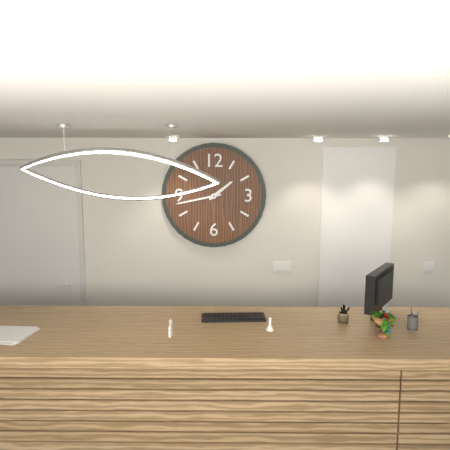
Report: 1:43
